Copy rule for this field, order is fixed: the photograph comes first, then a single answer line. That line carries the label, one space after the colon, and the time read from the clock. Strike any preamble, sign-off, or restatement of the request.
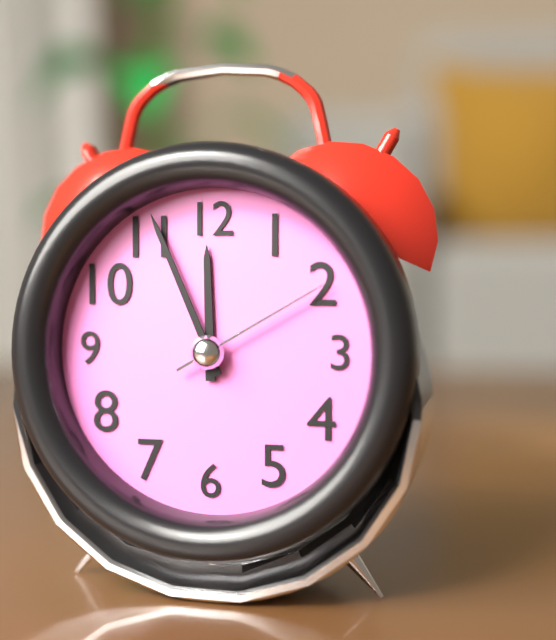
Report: 11:56:10
